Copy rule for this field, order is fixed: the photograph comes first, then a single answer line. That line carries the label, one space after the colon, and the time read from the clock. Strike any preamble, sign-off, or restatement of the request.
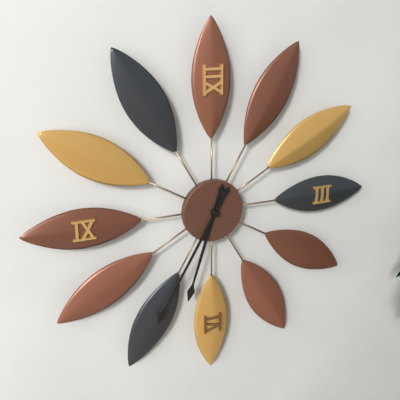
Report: 6:35
